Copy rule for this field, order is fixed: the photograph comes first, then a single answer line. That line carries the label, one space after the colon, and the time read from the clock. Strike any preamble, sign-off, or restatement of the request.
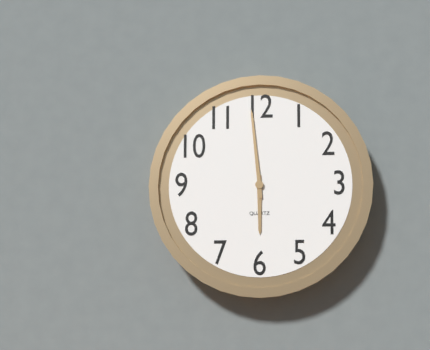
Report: 5:59
